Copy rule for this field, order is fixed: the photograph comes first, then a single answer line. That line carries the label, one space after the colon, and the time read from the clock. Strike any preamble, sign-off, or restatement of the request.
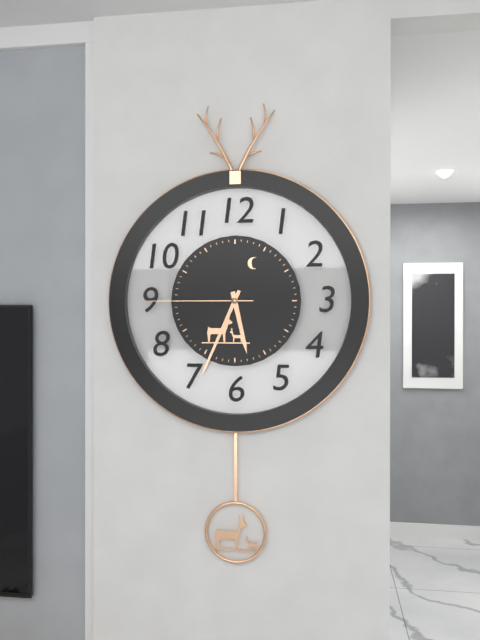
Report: 5:34:45
